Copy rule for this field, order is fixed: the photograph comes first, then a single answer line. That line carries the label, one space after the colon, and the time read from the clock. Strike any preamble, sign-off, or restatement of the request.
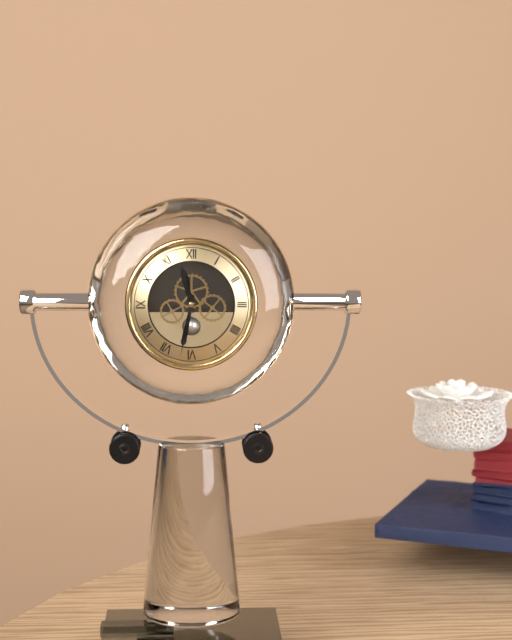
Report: 11:32
